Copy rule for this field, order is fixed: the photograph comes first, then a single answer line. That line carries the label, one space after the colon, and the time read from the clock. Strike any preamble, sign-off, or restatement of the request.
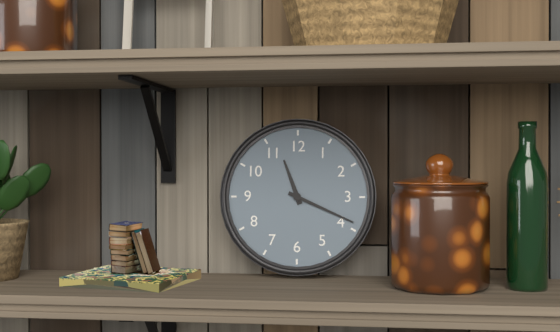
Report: 11:19
